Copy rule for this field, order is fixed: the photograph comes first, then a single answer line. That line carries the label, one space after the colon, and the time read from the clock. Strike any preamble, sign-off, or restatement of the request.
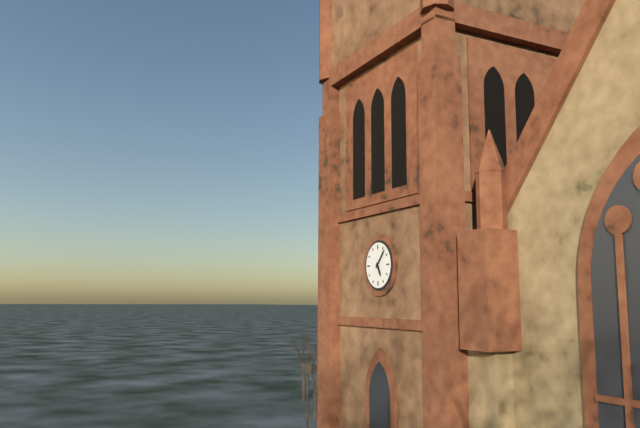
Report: 5:07
